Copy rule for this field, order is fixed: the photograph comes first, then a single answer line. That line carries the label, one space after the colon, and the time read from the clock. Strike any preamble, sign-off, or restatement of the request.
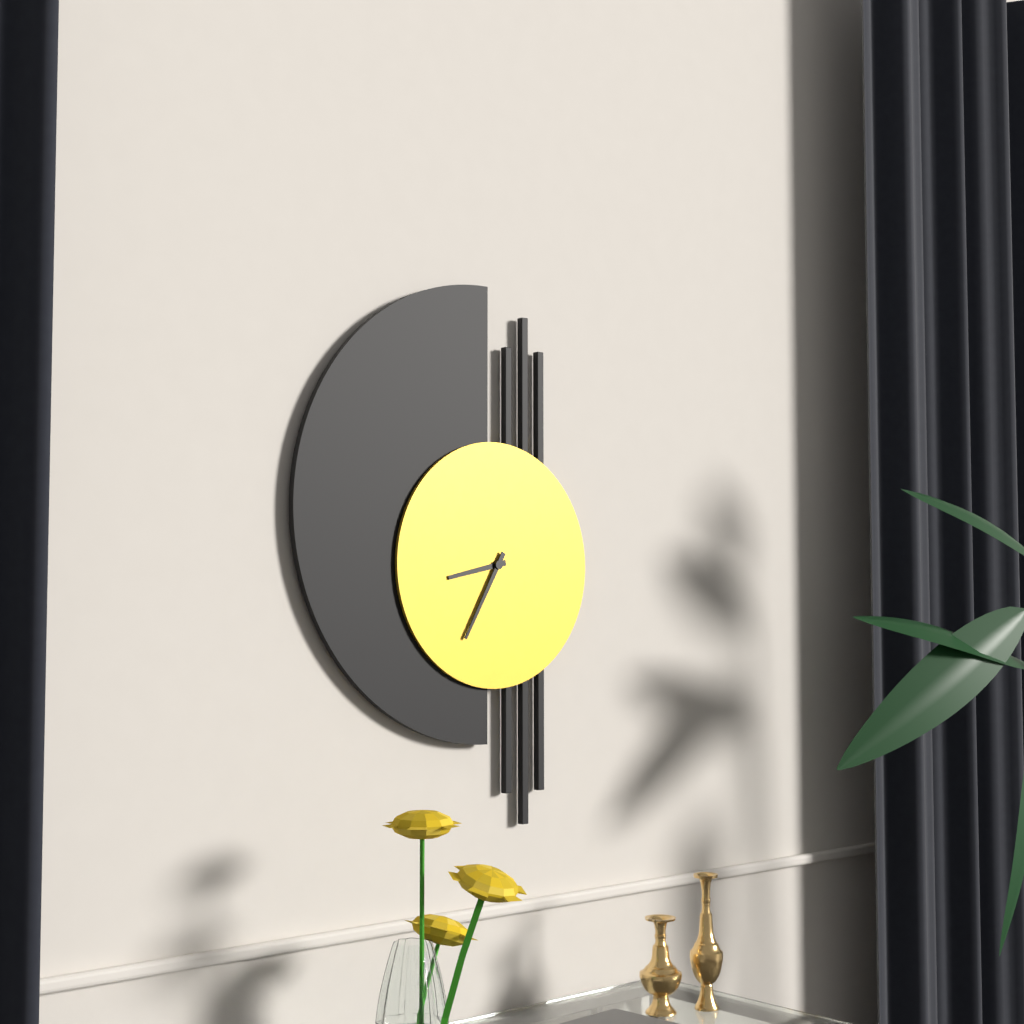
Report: 8:35
